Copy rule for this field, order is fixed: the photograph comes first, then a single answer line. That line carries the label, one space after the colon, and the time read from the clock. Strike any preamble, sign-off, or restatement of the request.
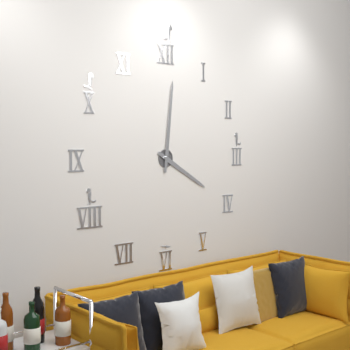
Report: 4:01
